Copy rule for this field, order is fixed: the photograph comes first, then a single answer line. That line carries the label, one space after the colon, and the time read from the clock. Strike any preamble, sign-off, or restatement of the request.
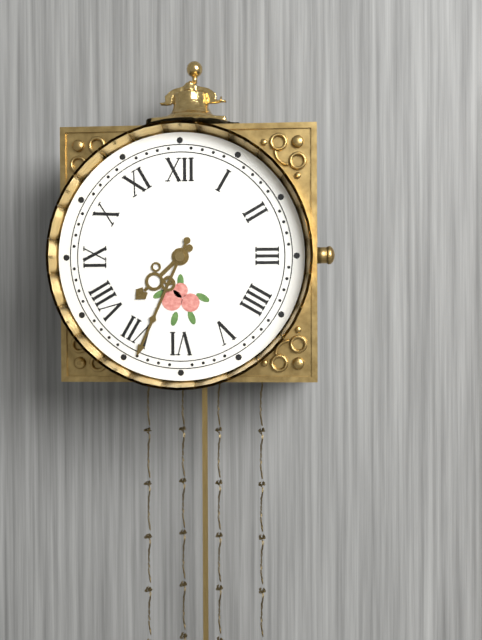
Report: 7:34
